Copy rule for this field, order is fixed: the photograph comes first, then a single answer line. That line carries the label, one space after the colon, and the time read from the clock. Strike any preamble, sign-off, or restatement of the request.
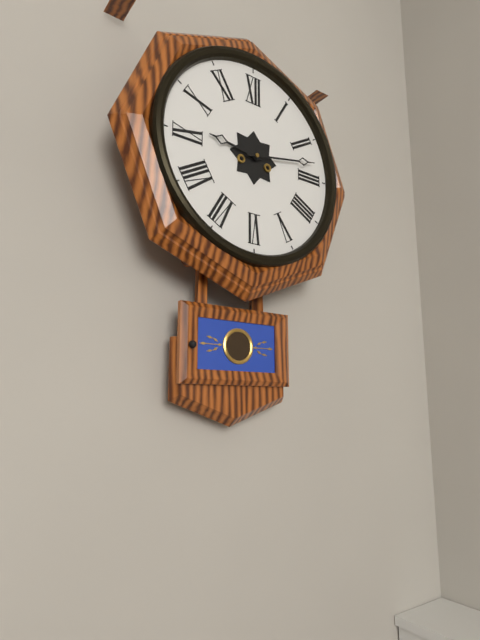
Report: 9:13
